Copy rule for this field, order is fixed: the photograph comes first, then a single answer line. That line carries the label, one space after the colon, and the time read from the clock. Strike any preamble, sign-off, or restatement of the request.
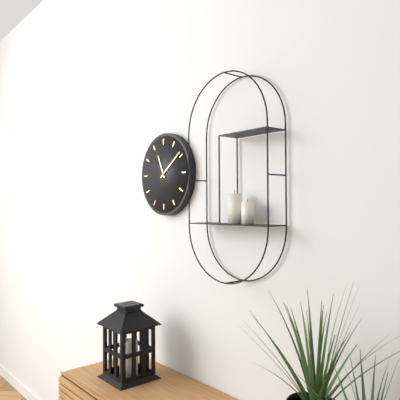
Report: 11:09
